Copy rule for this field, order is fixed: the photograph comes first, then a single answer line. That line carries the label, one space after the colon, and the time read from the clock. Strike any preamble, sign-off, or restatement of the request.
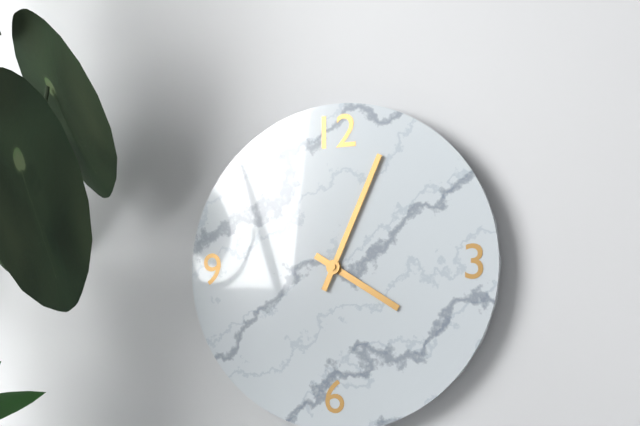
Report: 4:04
